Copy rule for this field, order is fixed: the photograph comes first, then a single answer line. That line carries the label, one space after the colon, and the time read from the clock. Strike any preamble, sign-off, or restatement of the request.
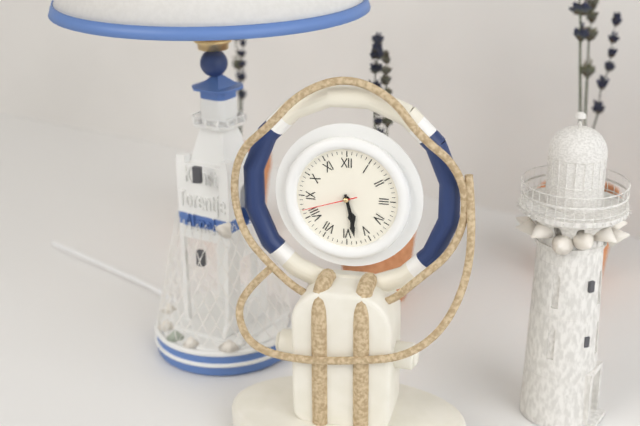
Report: 5:28:42
